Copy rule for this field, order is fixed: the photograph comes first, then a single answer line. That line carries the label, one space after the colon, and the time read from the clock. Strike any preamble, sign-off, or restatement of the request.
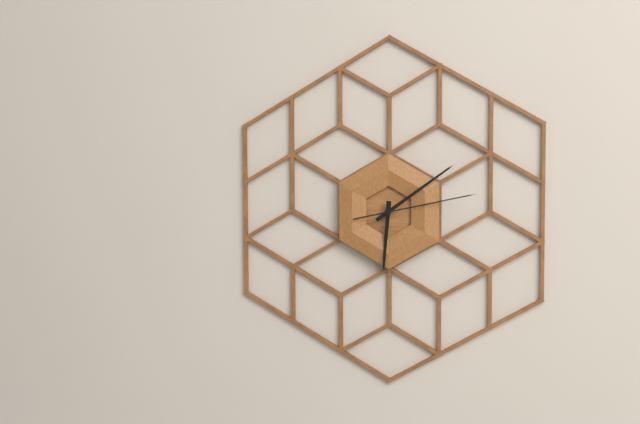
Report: 6:09:13
